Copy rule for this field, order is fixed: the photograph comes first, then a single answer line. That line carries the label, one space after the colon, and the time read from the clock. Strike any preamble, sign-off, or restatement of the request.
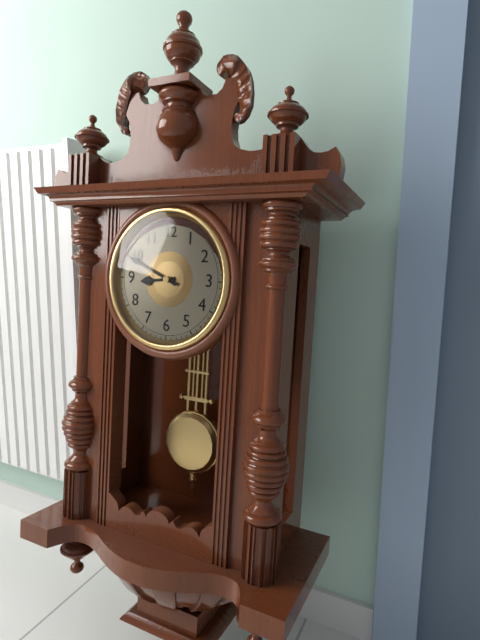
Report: 8:49
